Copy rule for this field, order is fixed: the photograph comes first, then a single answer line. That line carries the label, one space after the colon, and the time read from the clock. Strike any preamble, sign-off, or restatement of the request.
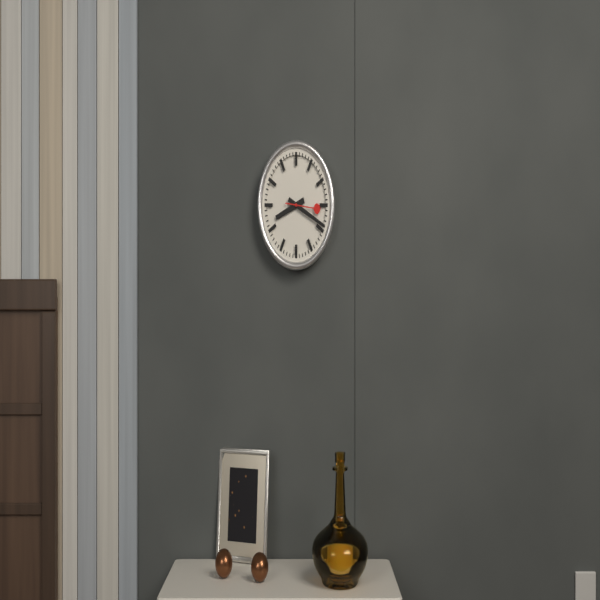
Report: 8:19
